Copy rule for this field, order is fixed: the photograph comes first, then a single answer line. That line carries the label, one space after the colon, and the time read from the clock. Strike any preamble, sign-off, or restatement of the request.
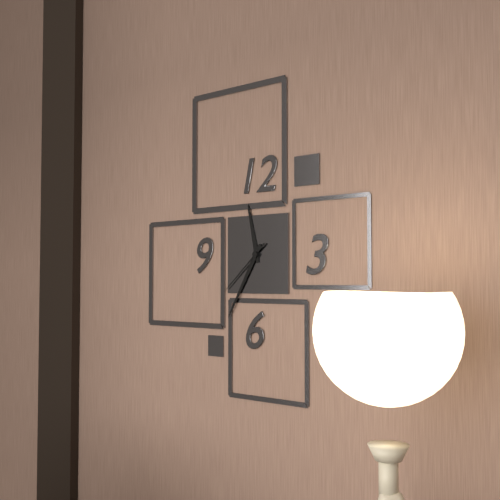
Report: 11:35:38
